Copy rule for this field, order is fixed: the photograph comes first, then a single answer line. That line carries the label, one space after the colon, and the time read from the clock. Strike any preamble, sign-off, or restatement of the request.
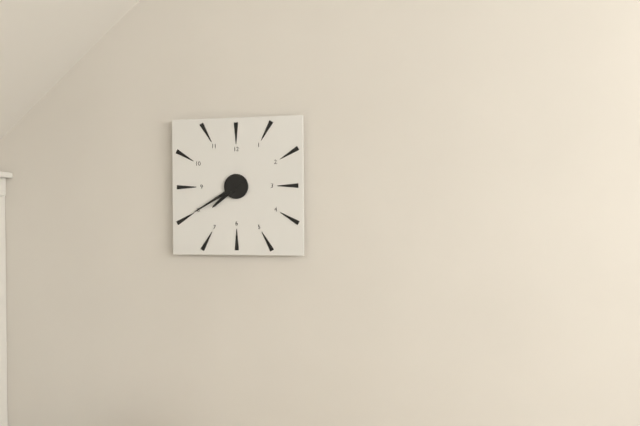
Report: 7:40
